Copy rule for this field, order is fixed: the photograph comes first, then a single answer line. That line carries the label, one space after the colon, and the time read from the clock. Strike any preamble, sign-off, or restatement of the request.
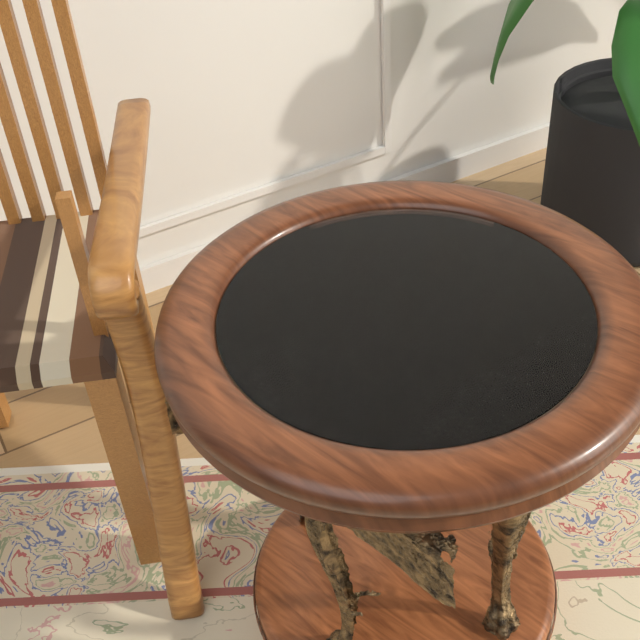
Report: 2:12
